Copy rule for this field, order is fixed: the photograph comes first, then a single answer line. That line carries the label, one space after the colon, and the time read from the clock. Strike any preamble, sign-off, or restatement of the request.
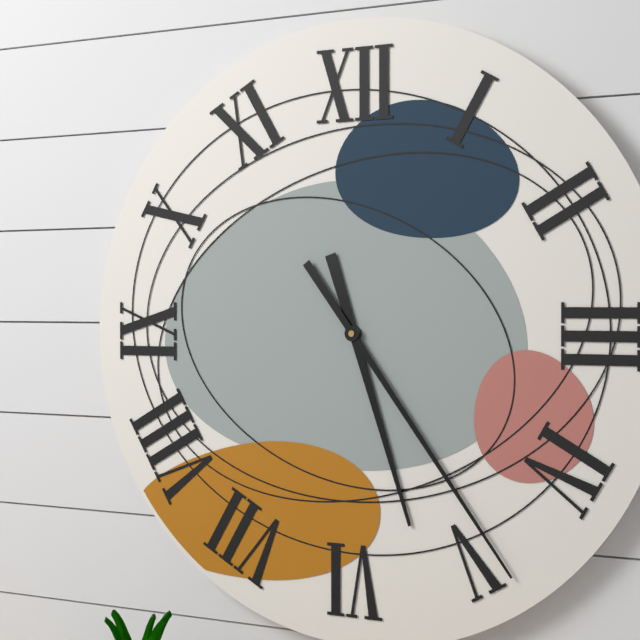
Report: 5:24
